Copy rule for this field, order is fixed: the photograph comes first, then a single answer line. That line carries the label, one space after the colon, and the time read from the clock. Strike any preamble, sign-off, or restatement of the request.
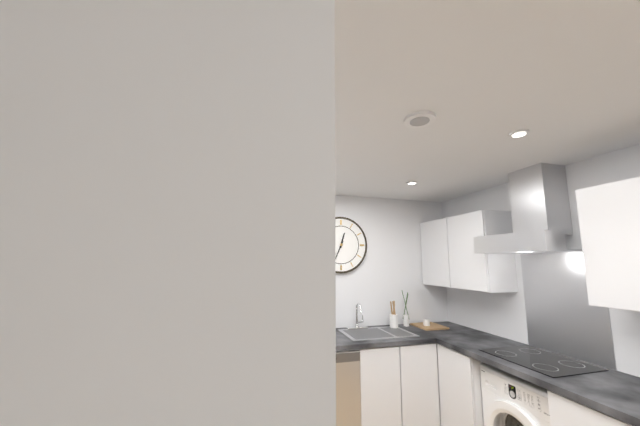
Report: 12:34
